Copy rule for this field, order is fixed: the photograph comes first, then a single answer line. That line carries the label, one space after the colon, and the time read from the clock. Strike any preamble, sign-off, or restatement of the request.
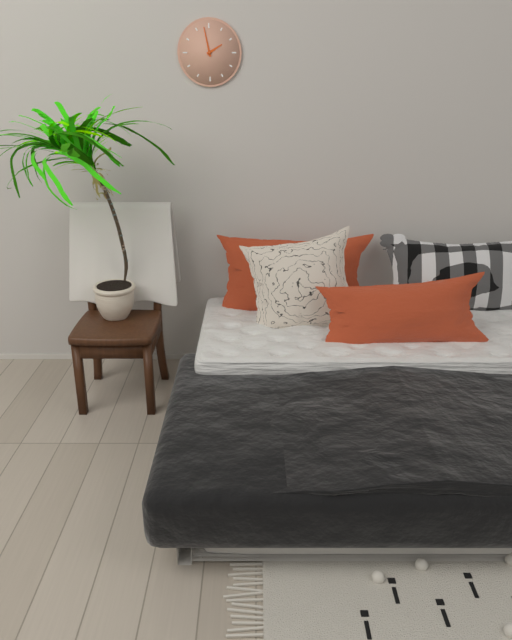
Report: 1:58
